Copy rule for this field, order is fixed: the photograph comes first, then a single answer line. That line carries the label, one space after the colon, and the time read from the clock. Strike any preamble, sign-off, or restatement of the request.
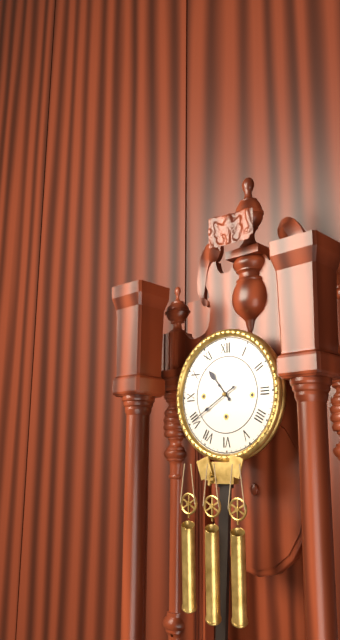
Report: 10:40
